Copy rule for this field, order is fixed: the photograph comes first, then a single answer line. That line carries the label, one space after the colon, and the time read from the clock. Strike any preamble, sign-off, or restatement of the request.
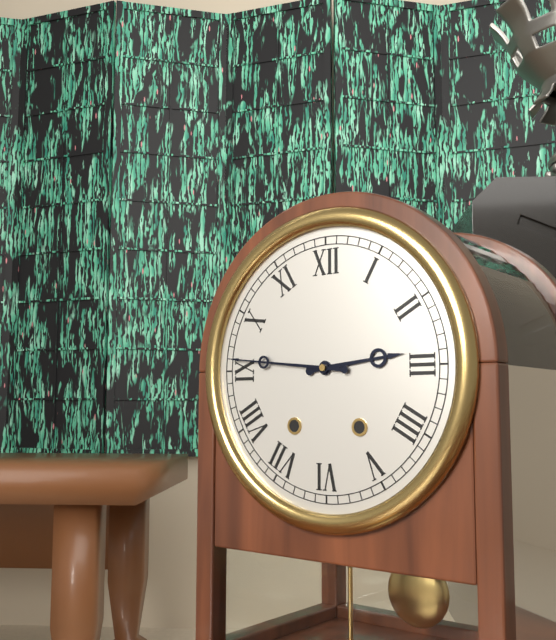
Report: 2:46
